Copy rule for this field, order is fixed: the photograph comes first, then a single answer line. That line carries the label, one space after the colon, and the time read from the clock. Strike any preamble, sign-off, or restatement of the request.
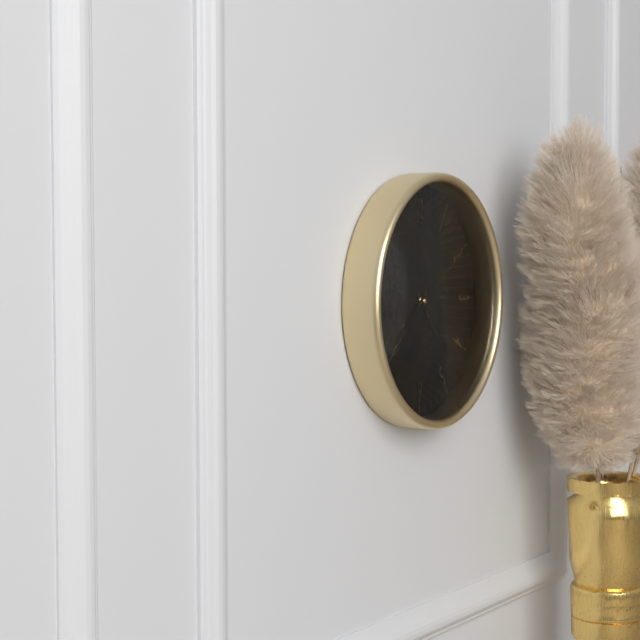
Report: 4:38:10
